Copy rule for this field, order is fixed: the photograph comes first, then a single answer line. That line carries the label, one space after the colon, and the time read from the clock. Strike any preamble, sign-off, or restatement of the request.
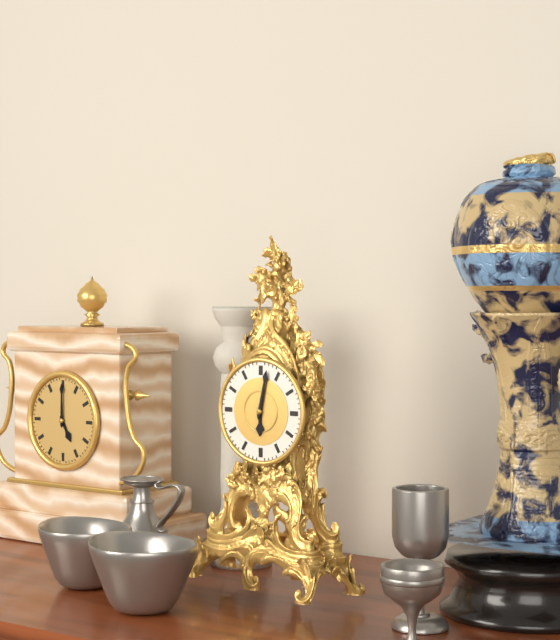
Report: 6:02
